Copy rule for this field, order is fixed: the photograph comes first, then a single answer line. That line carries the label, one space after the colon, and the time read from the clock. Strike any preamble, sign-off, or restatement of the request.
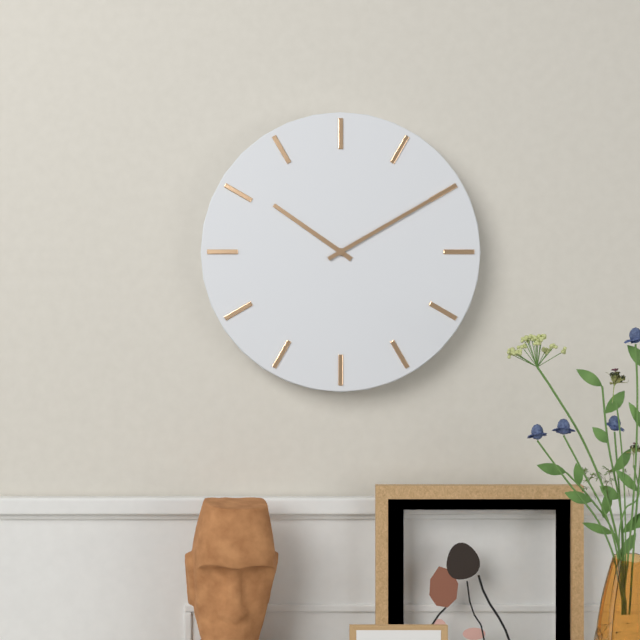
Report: 10:10
